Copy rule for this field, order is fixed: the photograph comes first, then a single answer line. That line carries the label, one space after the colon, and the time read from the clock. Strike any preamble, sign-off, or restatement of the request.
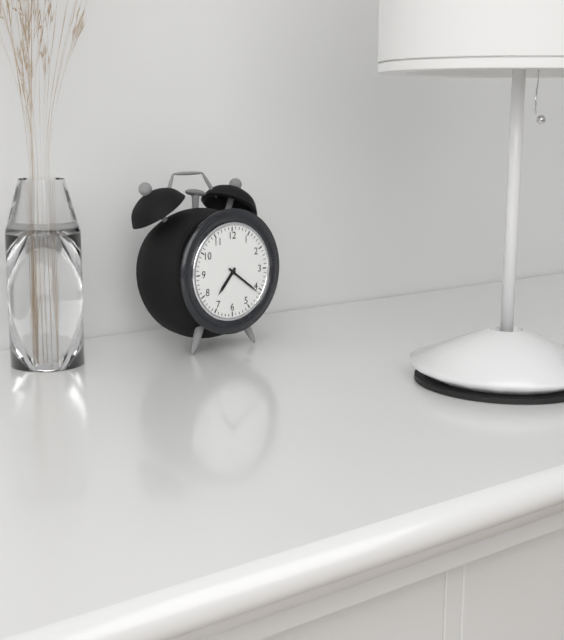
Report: 7:21
